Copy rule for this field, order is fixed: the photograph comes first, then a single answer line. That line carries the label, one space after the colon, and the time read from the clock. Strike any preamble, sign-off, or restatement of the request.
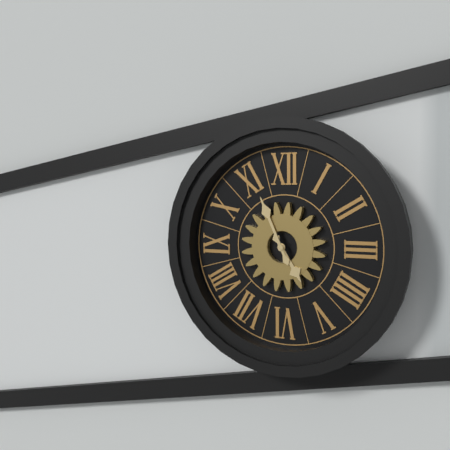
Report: 4:56
